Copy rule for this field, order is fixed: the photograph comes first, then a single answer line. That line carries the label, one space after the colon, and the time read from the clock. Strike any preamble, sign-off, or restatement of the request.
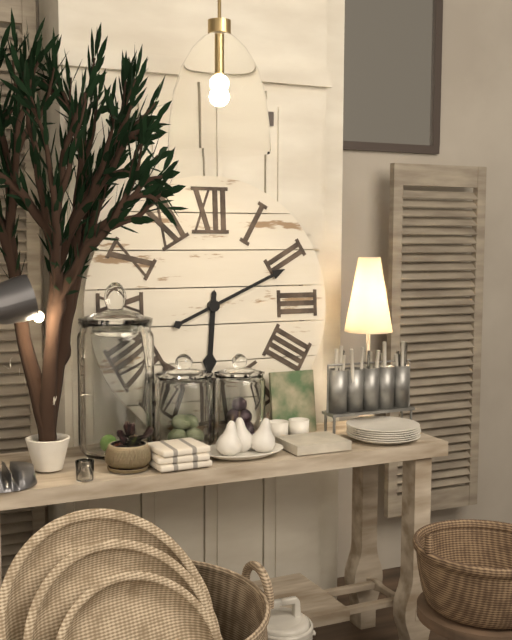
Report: 6:11
